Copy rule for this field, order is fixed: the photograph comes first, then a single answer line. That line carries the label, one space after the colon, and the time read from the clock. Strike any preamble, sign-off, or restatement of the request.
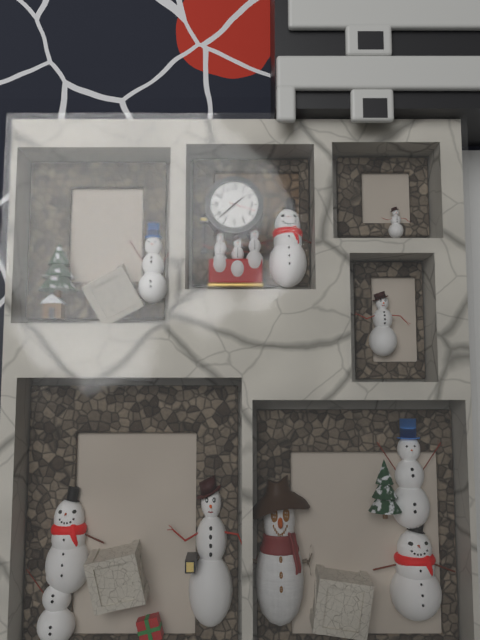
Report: 1:38
